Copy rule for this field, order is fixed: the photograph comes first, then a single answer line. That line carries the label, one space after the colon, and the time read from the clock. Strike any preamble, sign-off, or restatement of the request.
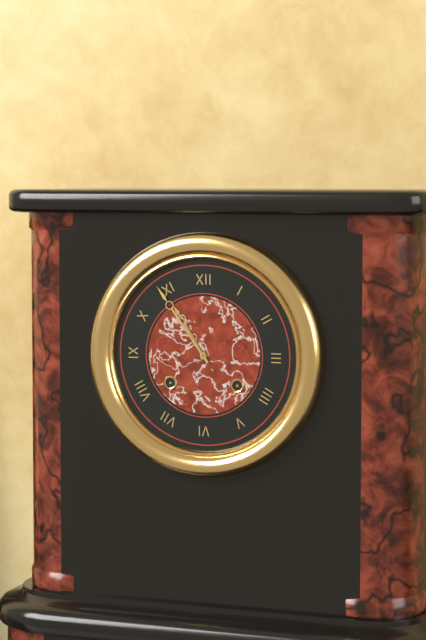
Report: 10:54
